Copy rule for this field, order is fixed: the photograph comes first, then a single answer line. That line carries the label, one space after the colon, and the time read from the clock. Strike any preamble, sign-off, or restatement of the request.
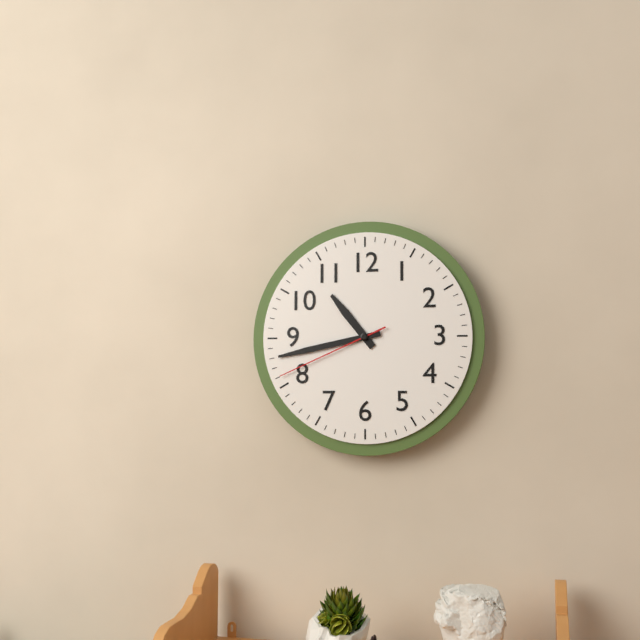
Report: 10:43:41
